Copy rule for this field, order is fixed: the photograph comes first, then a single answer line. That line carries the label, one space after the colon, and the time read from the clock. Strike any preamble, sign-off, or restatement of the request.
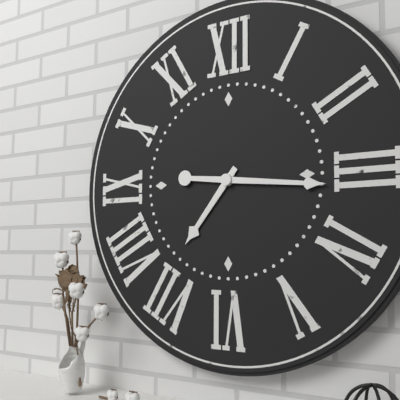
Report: 7:16
